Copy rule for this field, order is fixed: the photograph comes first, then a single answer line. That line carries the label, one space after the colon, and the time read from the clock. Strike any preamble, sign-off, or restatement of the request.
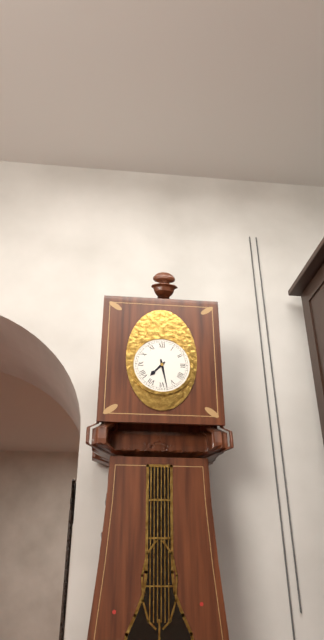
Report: 7:28
